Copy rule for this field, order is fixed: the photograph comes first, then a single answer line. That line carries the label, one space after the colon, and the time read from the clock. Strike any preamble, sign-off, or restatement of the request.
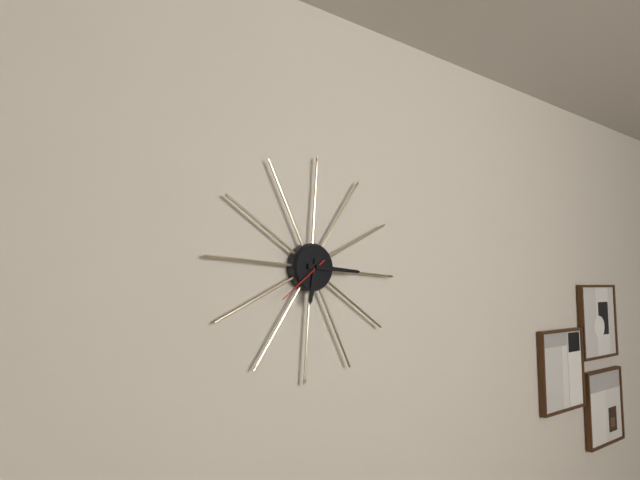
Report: 6:15:38
